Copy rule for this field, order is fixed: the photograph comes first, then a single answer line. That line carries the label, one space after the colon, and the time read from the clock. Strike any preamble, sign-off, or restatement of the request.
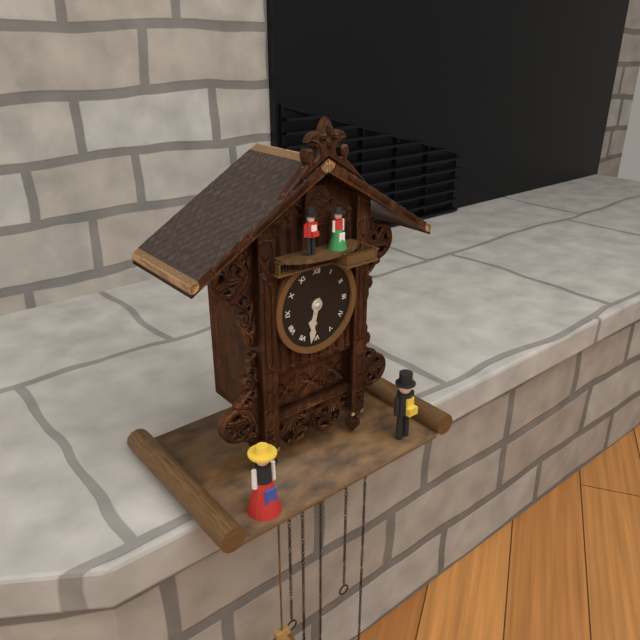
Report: 6:32
